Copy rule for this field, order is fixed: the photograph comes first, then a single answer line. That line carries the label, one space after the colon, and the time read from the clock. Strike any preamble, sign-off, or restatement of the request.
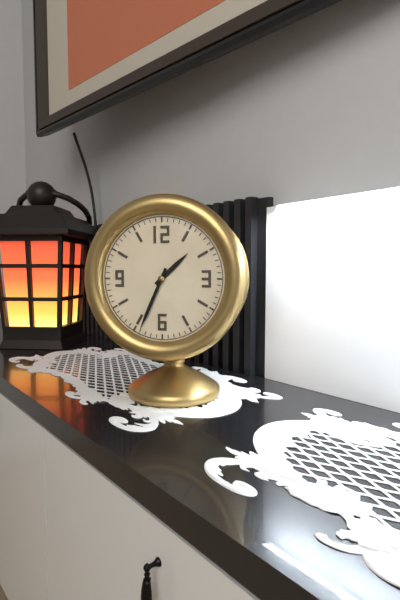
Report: 1:34
